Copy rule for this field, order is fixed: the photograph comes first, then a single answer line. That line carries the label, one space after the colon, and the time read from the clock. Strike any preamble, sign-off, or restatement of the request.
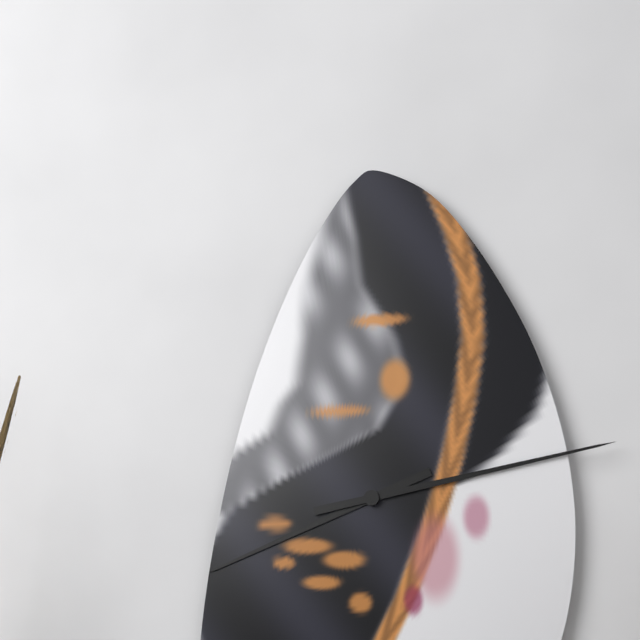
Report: 8:13
